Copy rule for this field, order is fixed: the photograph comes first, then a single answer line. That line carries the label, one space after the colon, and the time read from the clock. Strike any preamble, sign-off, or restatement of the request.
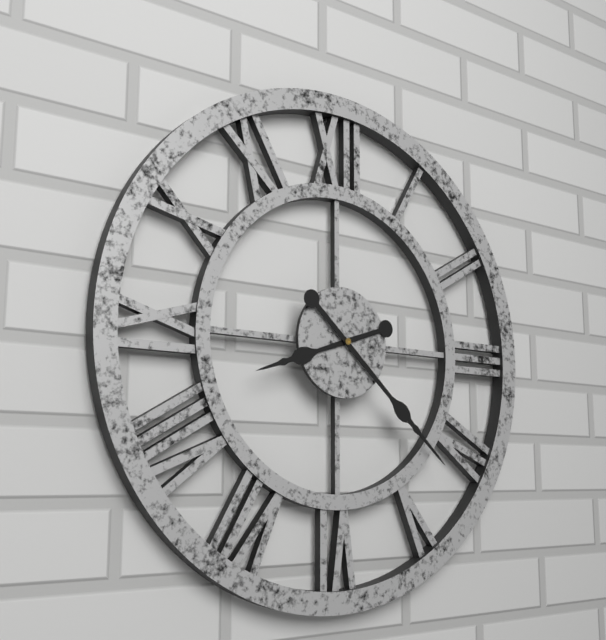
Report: 8:22
